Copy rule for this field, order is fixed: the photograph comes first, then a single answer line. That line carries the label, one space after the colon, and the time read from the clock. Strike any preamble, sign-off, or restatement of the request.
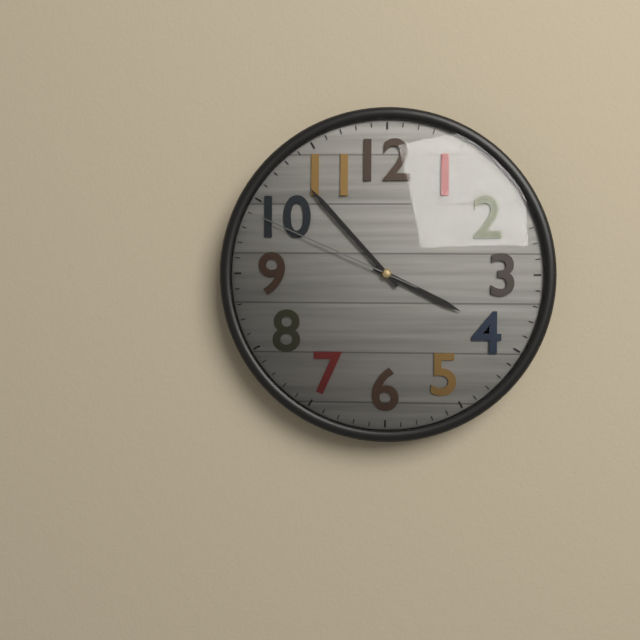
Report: 3:53:49
